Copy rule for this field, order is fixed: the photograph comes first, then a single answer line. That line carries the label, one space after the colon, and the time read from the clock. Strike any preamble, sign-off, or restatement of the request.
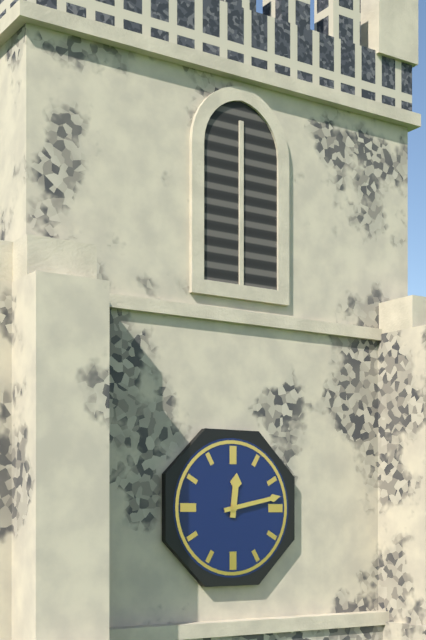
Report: 12:13
